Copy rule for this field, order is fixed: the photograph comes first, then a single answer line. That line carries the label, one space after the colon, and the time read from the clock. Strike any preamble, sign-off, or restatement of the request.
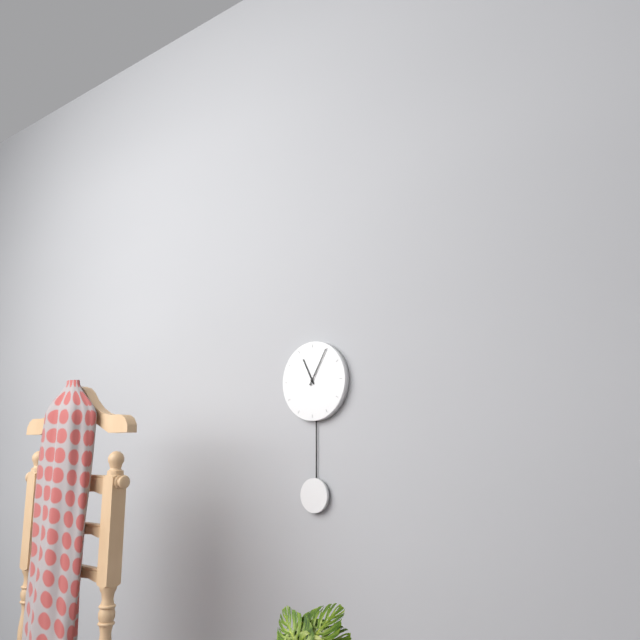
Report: 11:05
